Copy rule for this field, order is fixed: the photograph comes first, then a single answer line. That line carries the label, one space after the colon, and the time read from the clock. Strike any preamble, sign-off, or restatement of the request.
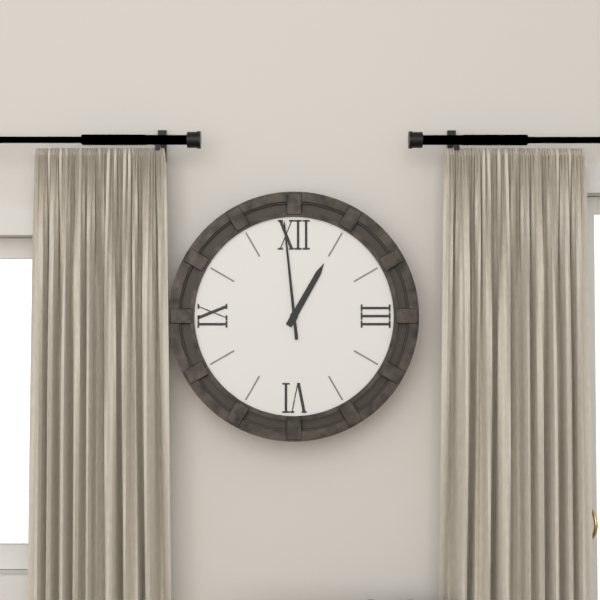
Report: 12:59
